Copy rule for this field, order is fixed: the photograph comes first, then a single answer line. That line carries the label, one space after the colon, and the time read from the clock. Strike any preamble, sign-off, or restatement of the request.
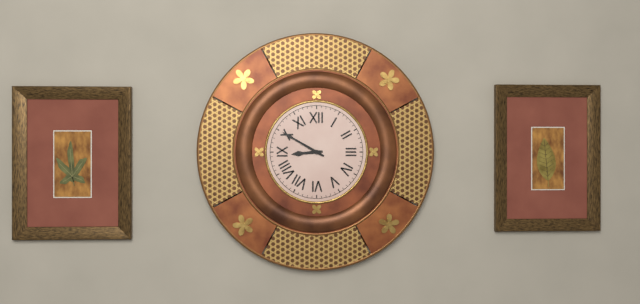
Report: 8:50
